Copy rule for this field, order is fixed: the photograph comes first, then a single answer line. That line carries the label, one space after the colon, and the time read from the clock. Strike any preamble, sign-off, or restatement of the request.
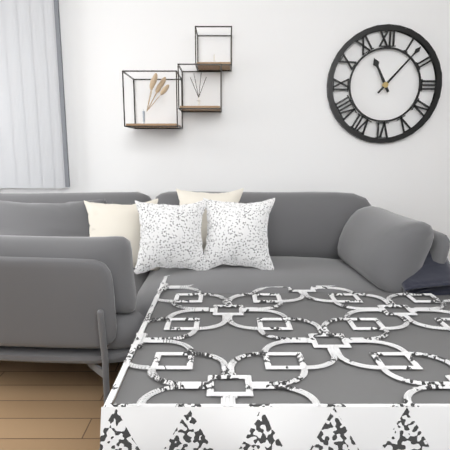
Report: 11:07
